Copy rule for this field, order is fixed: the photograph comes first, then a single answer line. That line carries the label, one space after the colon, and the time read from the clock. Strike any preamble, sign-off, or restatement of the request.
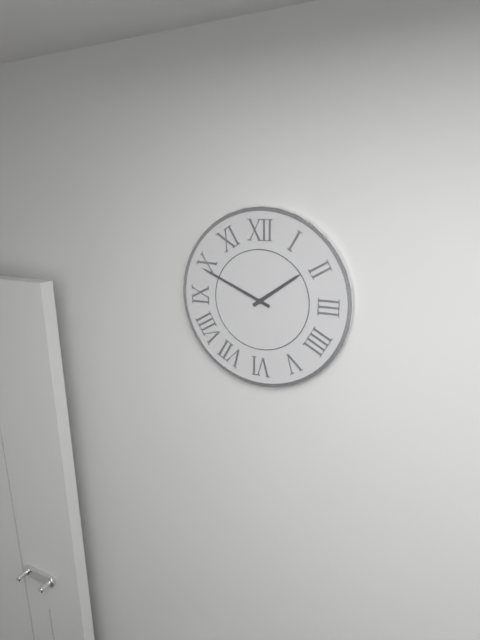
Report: 1:49
